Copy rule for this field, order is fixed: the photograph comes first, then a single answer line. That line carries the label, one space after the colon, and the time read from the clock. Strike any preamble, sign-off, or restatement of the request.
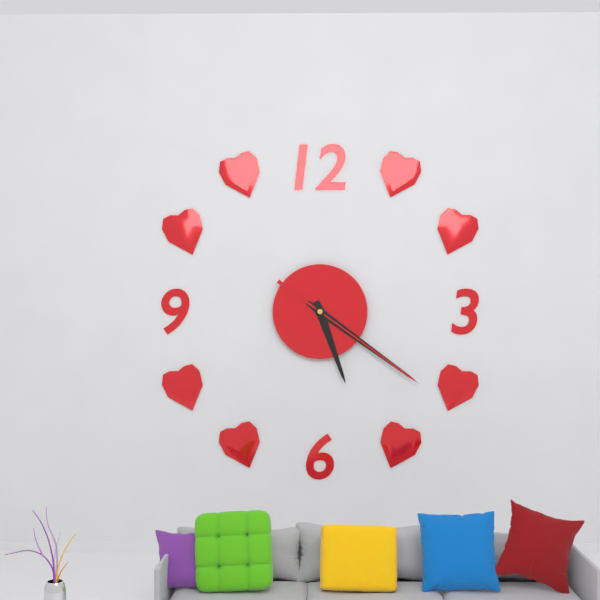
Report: 5:21:21
